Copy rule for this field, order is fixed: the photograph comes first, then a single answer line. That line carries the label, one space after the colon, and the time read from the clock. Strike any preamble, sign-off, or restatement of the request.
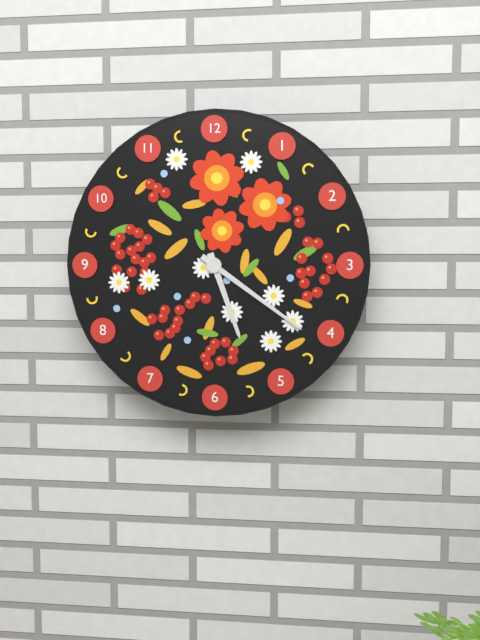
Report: 5:21
